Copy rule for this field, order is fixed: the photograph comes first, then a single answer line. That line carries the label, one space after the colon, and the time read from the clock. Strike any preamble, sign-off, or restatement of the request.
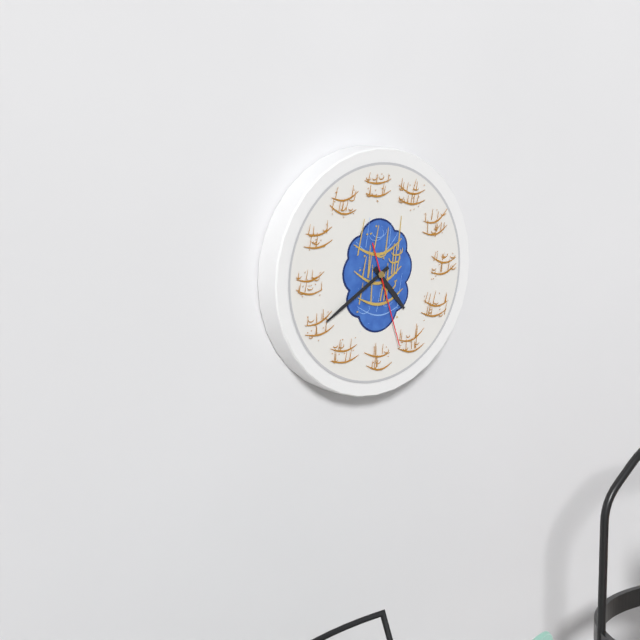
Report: 4:40:27
